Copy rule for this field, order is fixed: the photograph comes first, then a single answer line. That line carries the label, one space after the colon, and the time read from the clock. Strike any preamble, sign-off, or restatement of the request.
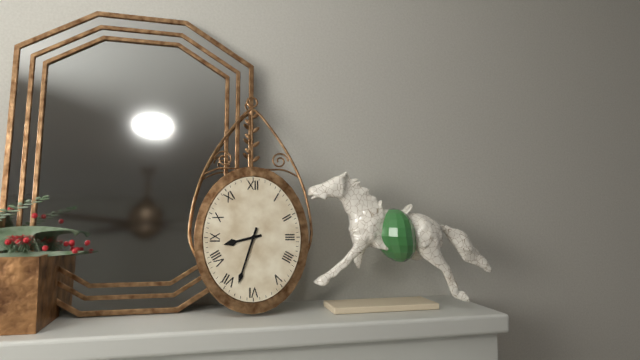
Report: 8:33
